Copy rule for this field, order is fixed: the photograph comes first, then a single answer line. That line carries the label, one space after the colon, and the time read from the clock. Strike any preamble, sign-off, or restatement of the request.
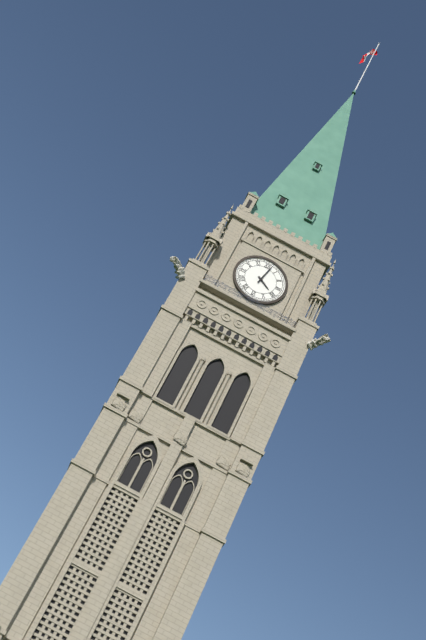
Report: 4:02
